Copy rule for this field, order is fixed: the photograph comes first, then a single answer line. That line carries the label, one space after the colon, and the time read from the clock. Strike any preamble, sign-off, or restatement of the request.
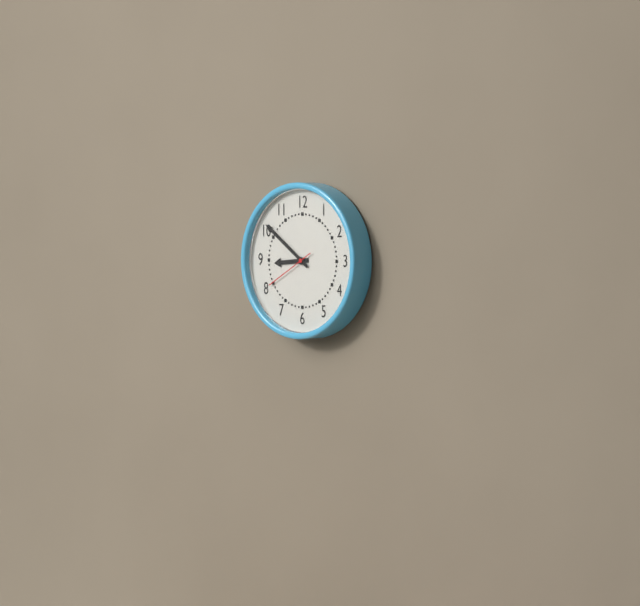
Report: 8:51:40
